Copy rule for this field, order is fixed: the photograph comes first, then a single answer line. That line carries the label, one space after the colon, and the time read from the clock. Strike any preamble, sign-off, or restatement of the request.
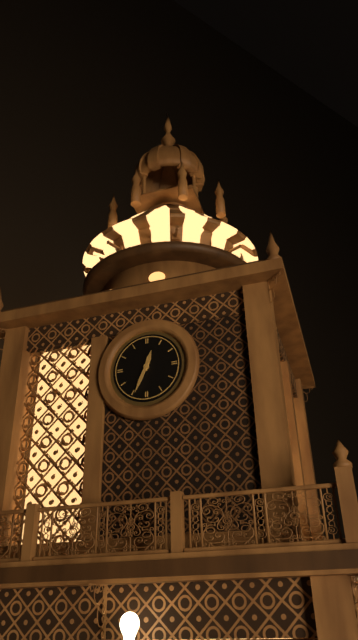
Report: 12:34
